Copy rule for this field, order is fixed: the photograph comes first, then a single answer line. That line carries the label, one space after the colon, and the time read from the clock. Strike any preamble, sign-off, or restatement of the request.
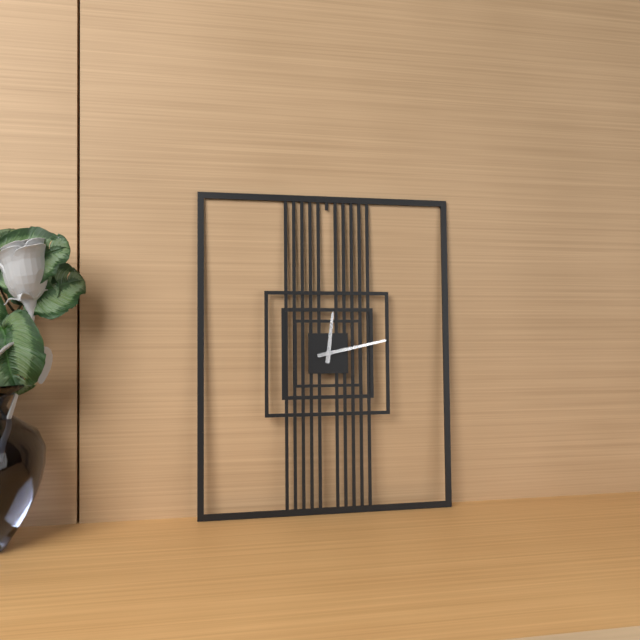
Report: 12:13
